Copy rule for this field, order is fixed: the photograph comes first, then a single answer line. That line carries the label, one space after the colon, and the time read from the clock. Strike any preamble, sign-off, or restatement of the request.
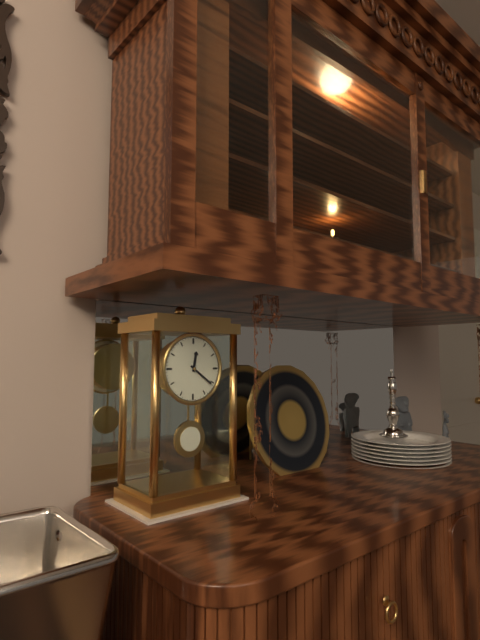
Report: 12:21
